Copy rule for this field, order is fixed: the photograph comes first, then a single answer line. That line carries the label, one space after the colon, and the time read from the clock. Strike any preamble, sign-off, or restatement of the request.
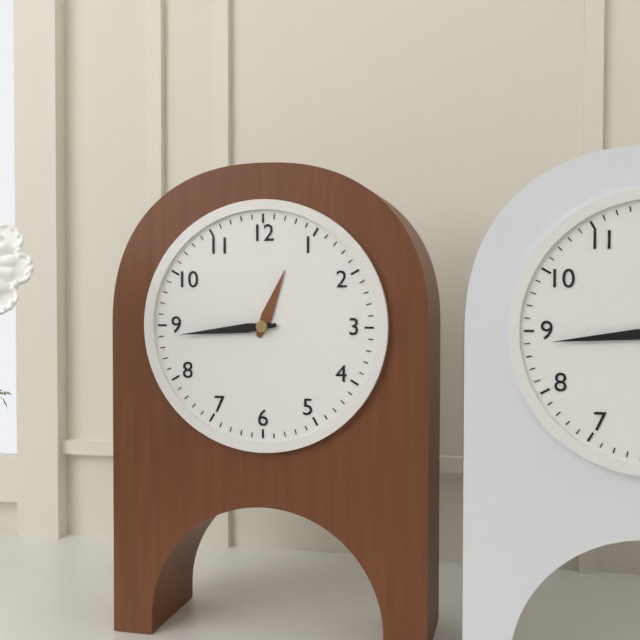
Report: 12:44
